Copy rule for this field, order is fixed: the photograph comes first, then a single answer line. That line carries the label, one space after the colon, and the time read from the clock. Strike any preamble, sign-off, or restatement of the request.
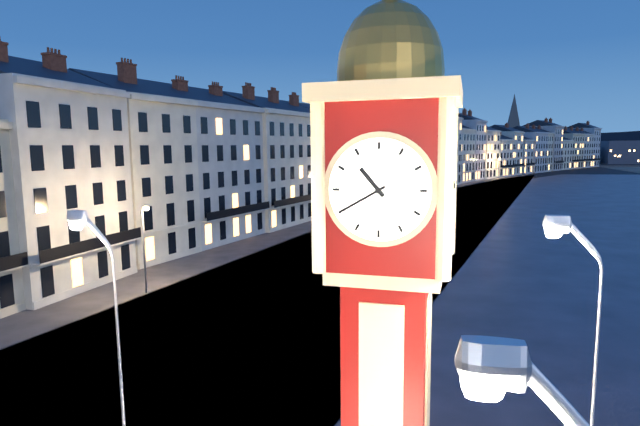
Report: 10:40
